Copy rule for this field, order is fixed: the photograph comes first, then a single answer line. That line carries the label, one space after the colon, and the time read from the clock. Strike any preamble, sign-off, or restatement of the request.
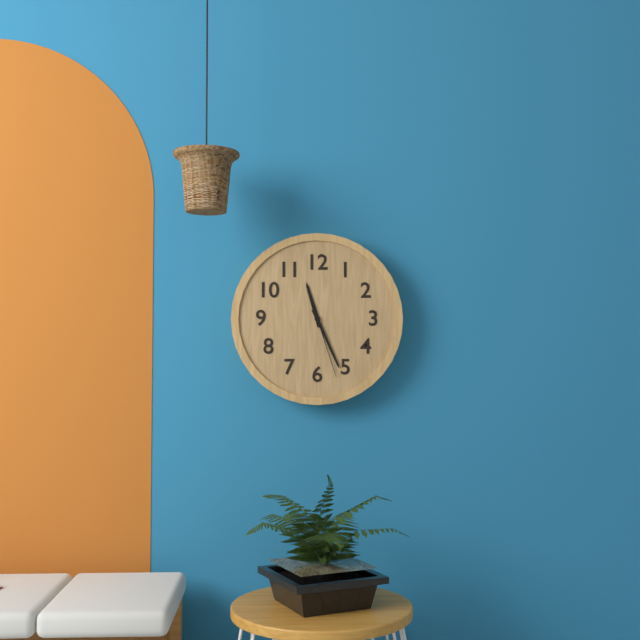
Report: 11:26:27
